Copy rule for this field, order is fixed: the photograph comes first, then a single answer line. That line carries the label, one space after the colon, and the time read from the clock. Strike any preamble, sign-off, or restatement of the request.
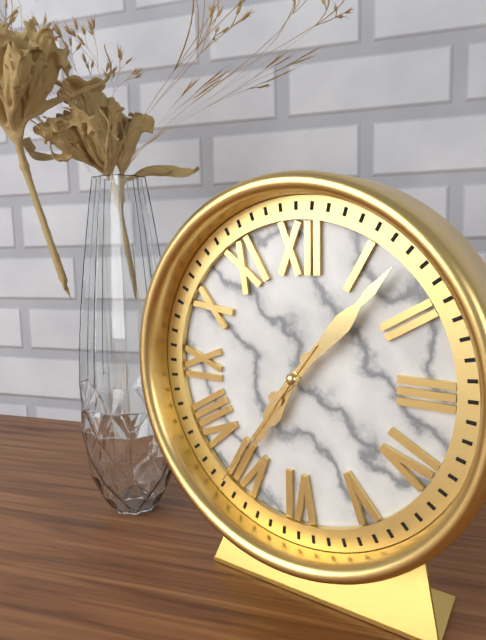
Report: 7:07:36
